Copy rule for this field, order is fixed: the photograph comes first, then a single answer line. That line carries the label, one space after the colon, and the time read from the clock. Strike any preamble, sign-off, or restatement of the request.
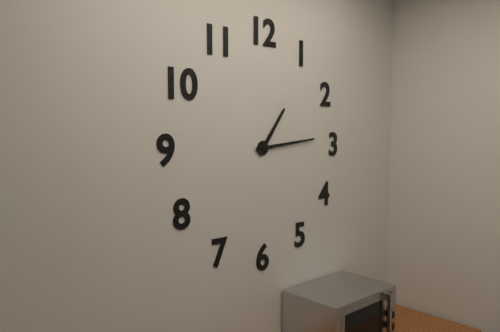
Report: 1:14
